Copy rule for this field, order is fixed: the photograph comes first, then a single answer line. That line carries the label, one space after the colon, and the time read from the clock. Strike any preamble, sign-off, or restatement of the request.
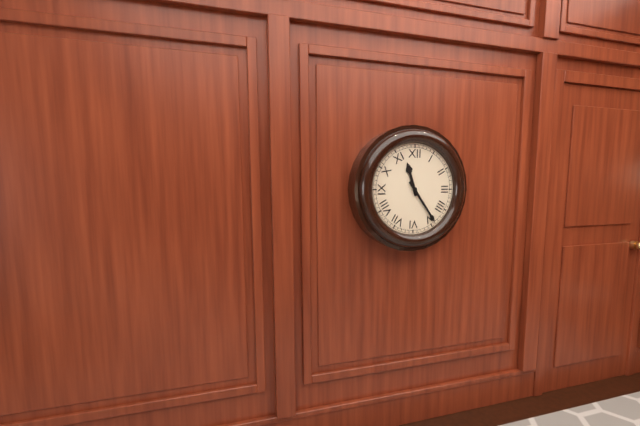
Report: 11:24
